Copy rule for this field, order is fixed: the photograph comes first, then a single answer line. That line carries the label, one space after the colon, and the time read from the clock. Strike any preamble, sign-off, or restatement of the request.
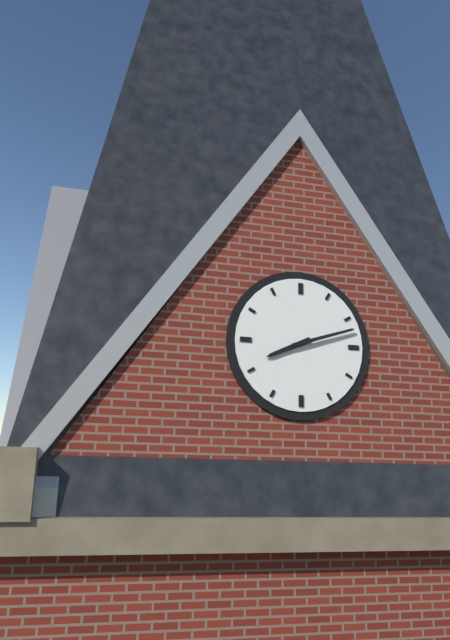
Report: 8:12
